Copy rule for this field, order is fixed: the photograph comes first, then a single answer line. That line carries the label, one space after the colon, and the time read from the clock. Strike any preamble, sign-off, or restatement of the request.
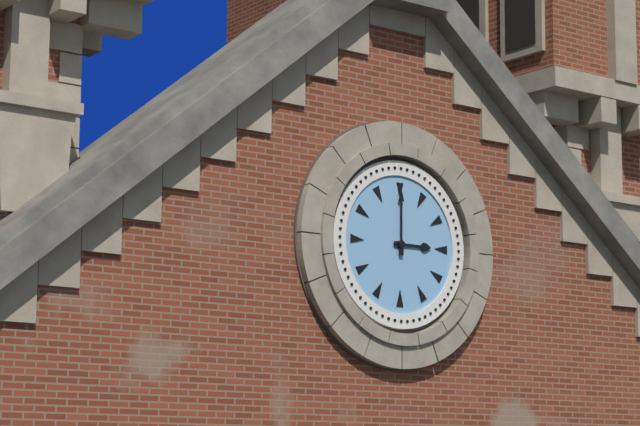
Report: 3:00
